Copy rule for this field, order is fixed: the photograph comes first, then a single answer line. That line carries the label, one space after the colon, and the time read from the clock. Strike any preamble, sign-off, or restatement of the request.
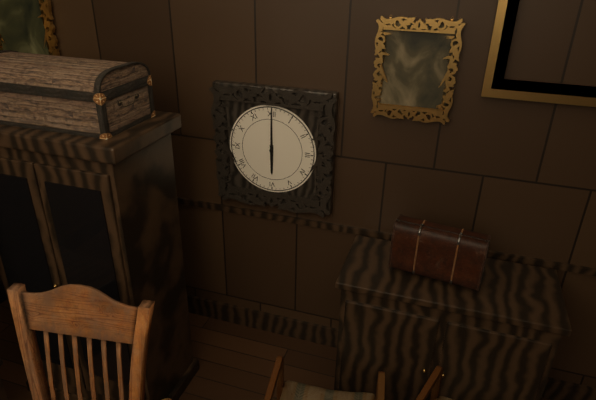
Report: 6:00
